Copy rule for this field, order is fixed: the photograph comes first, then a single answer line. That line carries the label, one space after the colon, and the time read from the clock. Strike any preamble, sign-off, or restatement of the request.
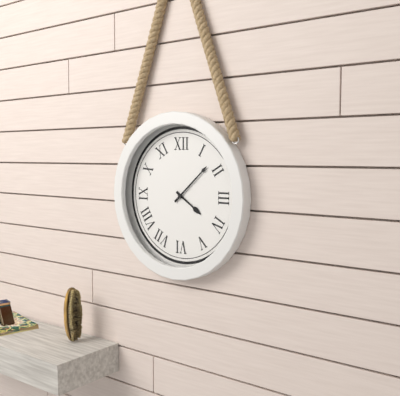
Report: 4:08
